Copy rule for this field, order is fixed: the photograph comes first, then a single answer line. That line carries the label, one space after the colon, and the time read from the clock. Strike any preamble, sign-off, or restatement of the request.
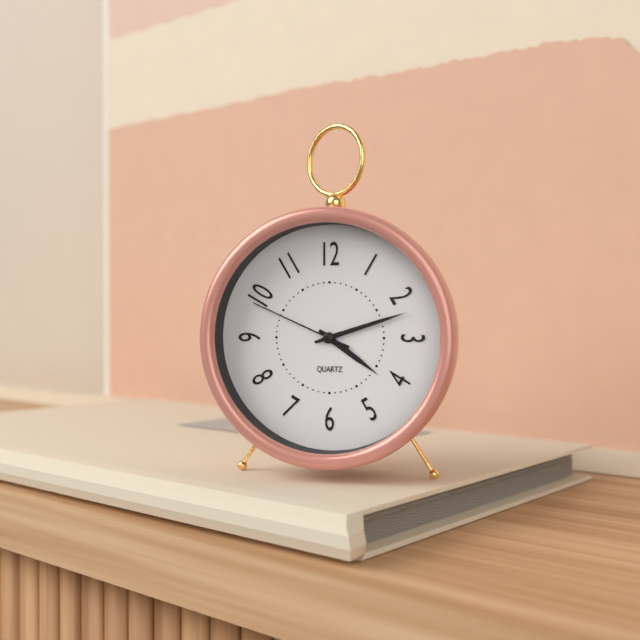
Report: 4:12:49
